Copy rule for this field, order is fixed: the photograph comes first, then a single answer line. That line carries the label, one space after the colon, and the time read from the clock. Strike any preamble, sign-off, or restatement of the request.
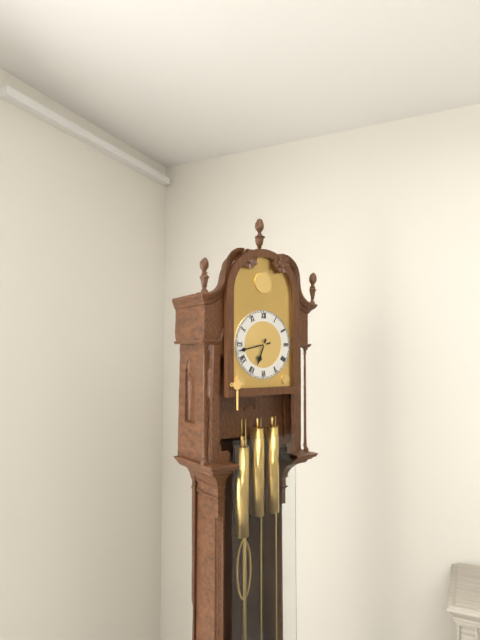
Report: 6:43
